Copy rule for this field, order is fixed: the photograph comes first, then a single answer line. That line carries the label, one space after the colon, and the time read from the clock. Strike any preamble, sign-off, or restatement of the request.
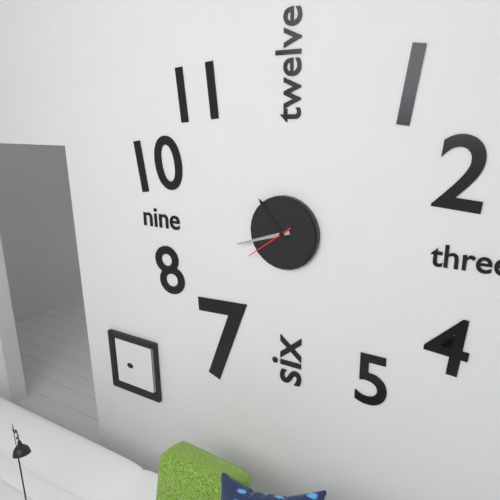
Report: 10:42:39
